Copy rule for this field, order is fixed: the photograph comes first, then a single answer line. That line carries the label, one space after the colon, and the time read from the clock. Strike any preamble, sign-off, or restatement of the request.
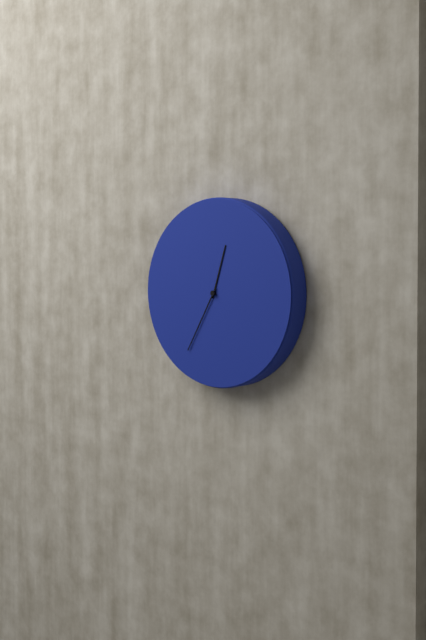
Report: 12:35
